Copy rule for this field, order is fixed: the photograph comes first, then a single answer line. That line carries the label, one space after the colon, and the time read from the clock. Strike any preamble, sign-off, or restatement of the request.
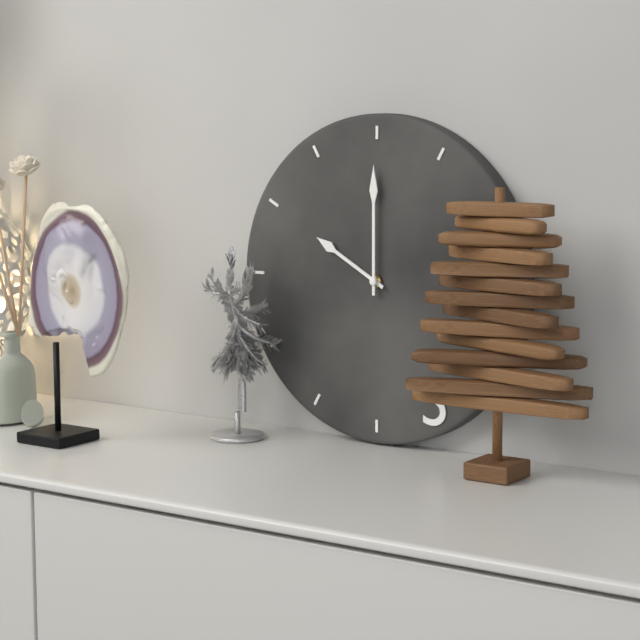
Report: 10:00
